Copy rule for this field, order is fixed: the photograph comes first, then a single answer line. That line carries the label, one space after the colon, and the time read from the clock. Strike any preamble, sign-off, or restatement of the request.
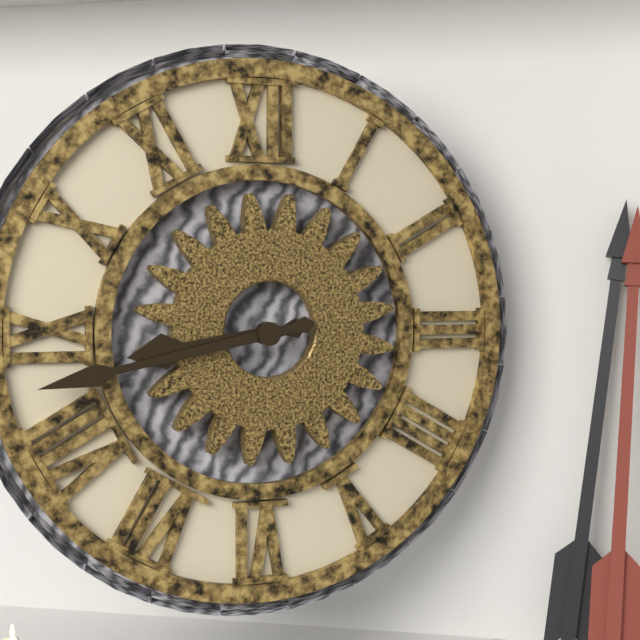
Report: 8:43
